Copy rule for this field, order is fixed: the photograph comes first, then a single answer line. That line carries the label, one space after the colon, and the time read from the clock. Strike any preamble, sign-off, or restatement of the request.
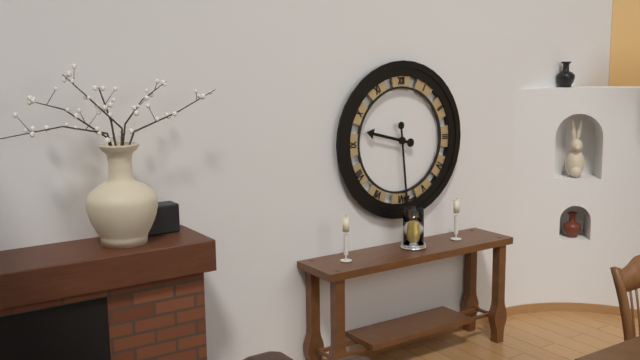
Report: 9:29
